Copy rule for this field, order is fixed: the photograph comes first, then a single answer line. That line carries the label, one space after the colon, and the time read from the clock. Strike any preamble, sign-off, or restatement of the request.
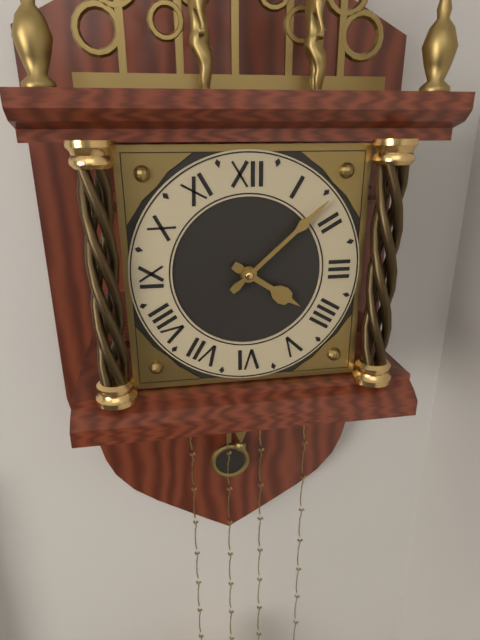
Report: 4:08
